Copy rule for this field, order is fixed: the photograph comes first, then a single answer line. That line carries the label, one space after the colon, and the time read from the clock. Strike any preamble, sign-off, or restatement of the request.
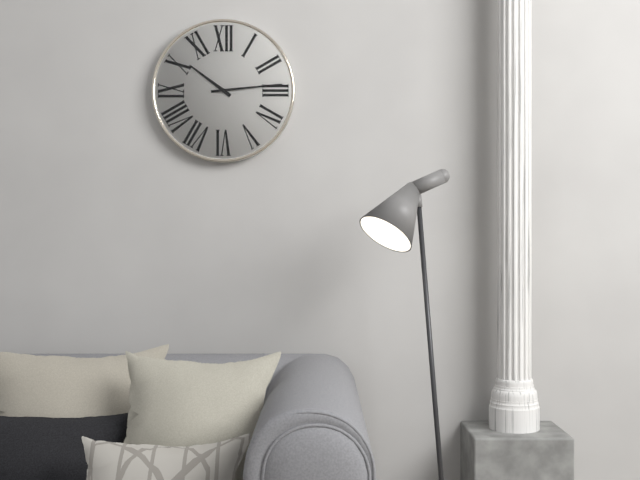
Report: 10:14
